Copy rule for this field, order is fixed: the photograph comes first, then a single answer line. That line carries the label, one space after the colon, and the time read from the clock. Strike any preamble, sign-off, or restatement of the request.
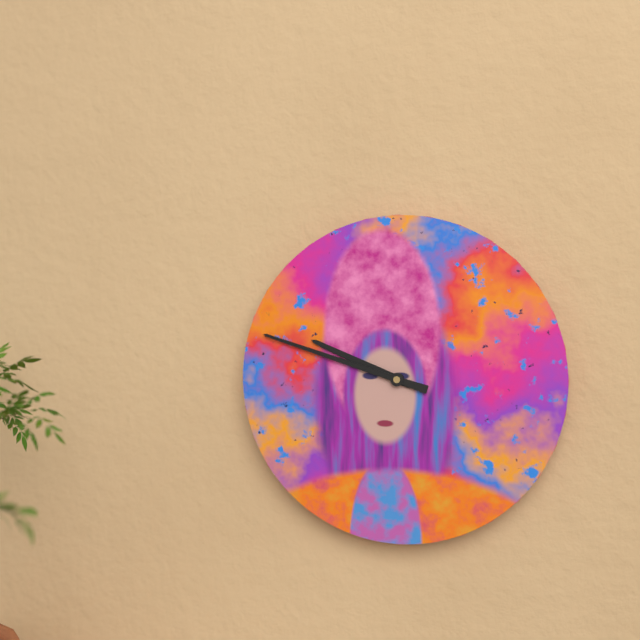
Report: 9:48
